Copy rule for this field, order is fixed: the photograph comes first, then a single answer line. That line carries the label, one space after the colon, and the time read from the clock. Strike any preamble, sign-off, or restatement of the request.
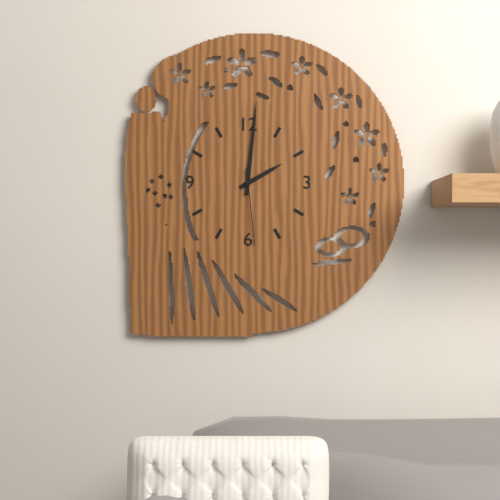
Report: 2:01:29
